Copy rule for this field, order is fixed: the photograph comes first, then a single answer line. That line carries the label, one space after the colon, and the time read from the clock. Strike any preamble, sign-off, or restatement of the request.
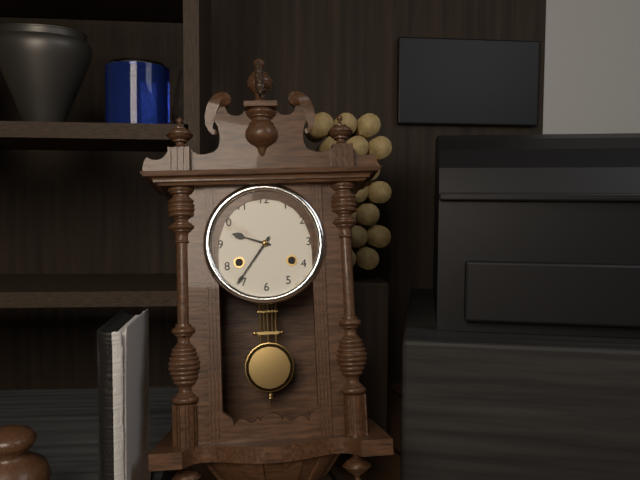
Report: 9:36
